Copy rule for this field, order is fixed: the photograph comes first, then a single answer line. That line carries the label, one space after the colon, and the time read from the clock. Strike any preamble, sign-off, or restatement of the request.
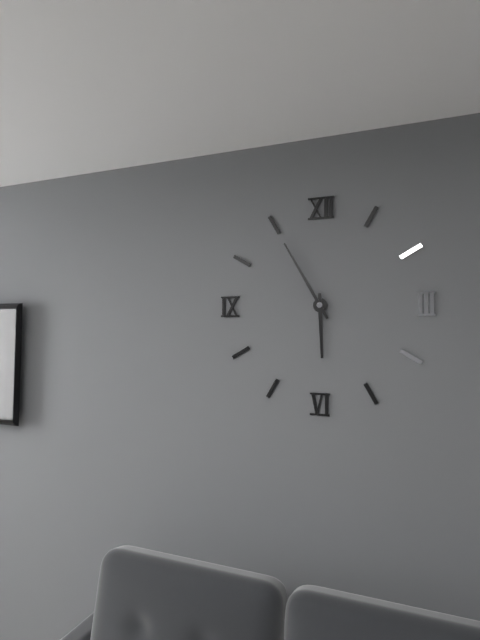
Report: 5:55
